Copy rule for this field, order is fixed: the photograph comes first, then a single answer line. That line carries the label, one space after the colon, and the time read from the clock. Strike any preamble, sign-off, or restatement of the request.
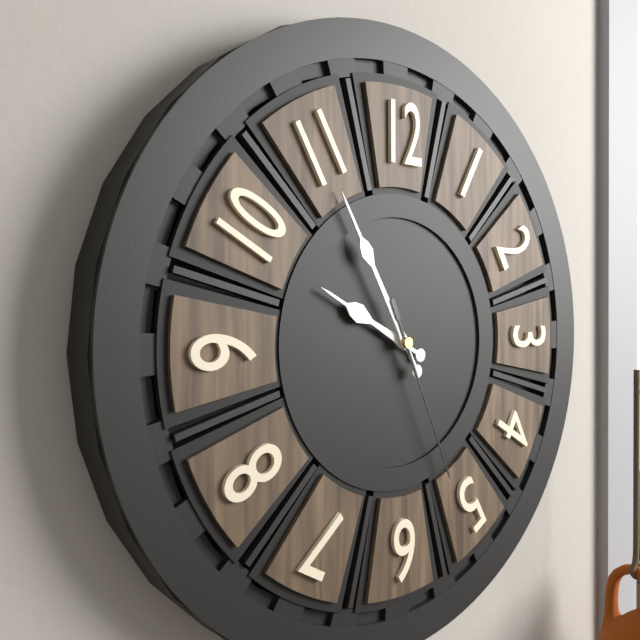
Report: 9:55:26
